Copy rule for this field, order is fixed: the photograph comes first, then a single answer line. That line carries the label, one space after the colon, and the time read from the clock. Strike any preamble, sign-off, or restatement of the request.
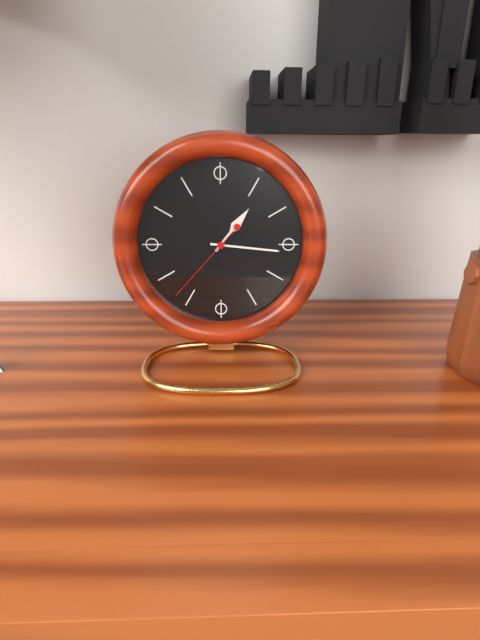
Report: 1:16:37
